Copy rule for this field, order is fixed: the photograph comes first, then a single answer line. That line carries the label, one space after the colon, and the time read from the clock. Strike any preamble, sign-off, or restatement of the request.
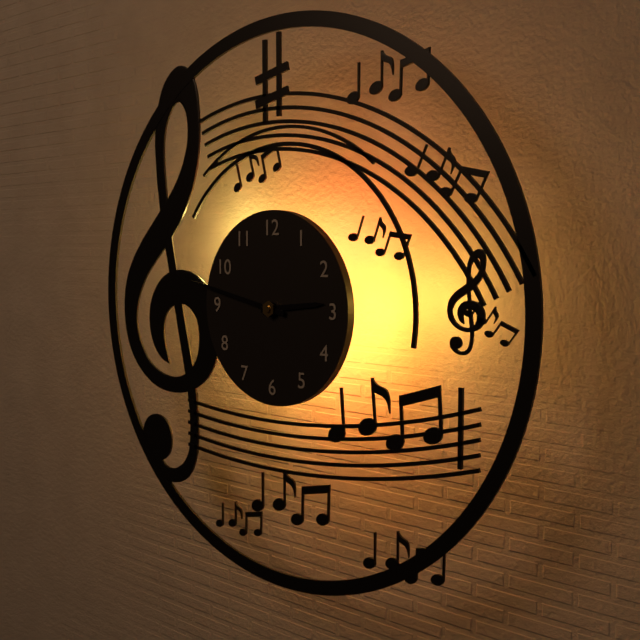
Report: 2:47
